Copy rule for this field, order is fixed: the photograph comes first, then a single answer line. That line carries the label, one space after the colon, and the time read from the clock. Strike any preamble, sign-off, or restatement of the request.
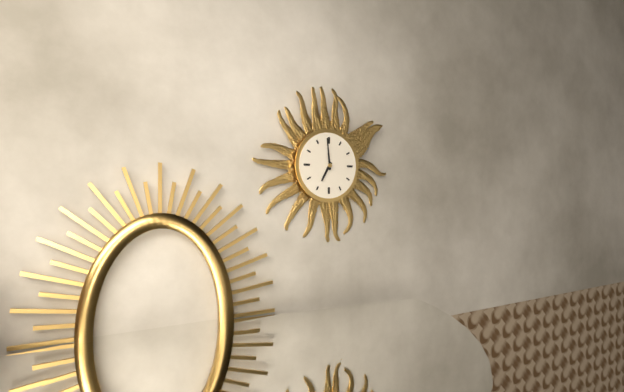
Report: 6:59
